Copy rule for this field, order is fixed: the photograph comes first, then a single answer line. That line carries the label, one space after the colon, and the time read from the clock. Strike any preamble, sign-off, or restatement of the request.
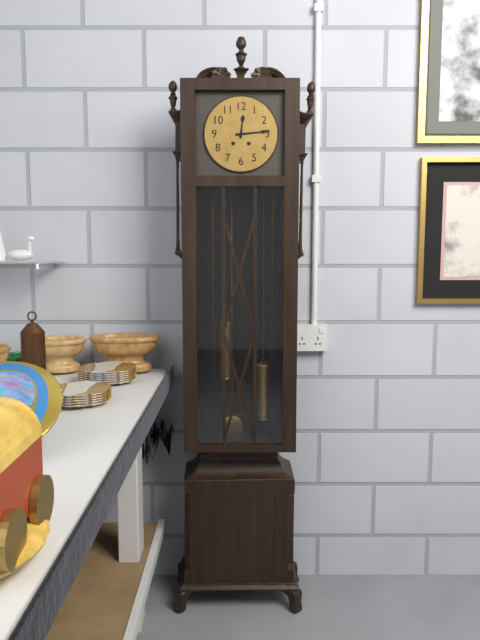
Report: 12:14
